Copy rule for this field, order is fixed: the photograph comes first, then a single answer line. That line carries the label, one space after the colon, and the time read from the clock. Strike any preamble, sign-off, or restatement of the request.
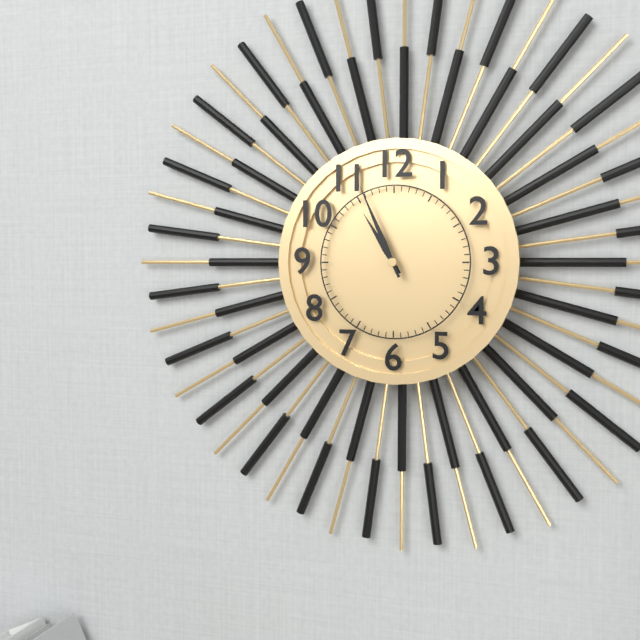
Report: 10:56
